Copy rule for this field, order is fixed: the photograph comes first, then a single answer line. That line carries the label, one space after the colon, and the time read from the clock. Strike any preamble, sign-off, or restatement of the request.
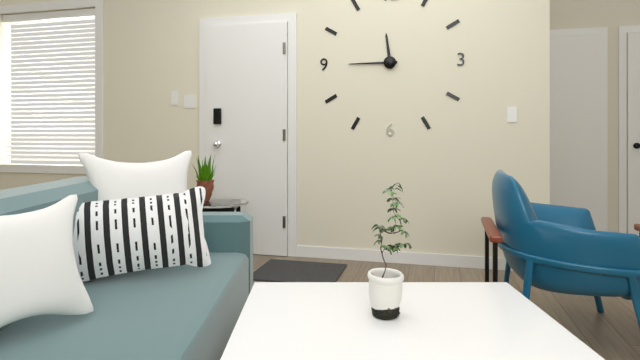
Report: 11:45
